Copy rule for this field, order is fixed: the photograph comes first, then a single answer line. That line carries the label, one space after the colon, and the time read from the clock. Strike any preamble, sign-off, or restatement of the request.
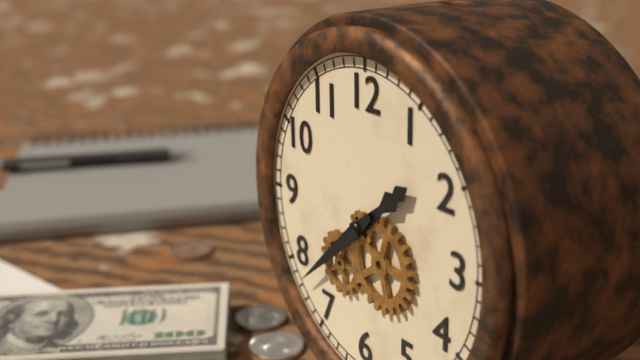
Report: 1:38
